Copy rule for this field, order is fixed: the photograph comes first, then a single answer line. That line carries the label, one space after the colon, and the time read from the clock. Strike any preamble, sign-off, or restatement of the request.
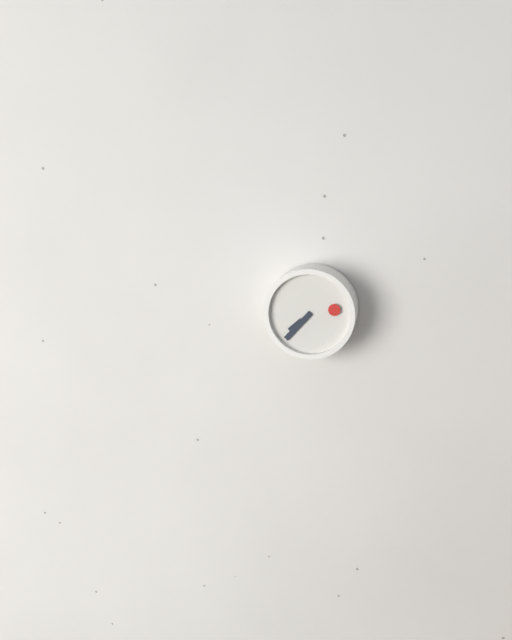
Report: 7:37
